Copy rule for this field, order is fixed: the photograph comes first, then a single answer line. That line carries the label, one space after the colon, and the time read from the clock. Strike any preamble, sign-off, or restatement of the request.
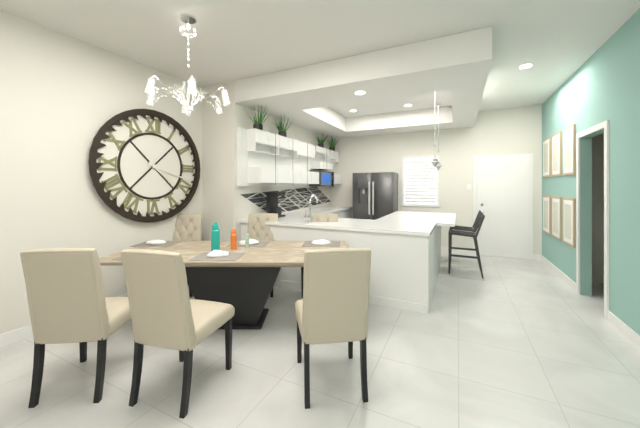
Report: 4:18
